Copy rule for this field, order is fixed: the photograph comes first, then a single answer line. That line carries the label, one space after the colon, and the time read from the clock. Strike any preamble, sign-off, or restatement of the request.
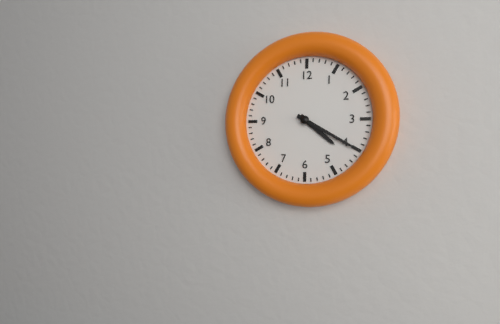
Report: 4:20
